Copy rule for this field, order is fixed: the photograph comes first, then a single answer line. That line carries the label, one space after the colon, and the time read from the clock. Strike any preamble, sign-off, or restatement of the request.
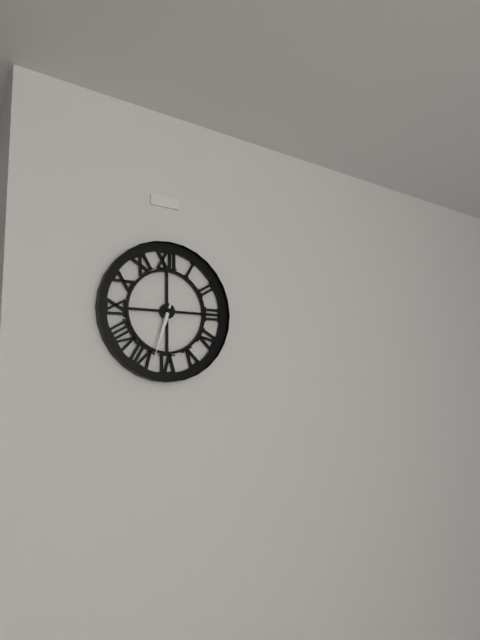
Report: 6:33
